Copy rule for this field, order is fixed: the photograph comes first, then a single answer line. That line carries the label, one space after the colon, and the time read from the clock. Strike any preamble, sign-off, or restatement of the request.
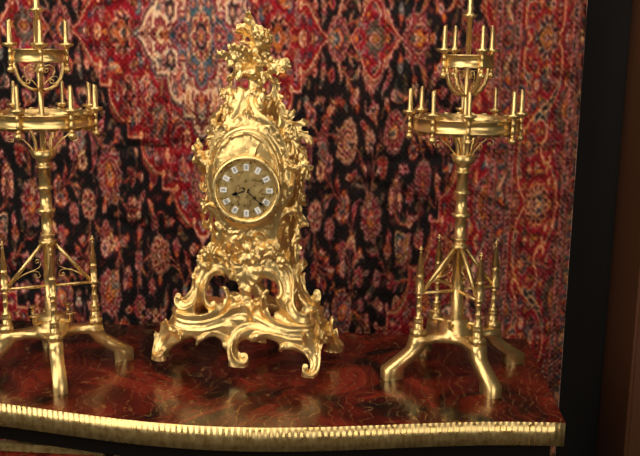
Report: 8:22
